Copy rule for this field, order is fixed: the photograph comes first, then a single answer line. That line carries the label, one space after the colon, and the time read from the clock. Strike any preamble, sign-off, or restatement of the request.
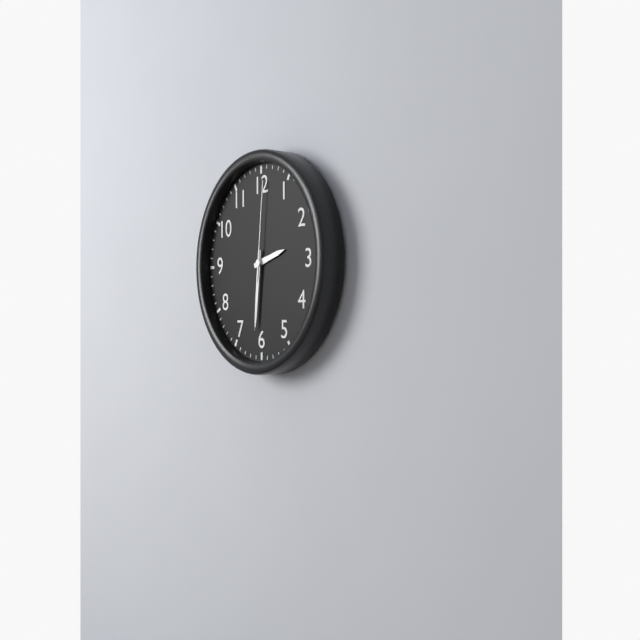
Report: 2:31:01
